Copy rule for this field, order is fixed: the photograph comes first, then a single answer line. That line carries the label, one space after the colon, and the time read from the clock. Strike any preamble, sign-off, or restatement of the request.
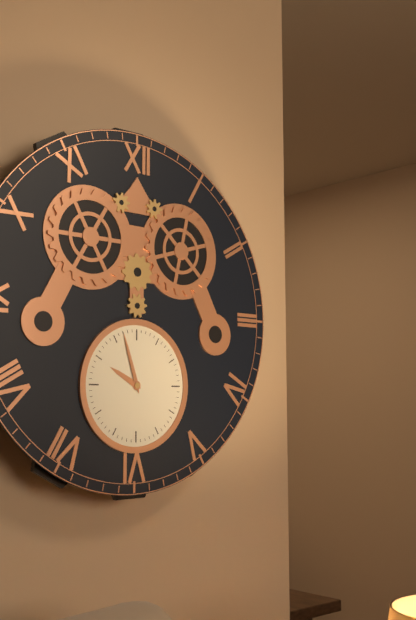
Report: 9:57
